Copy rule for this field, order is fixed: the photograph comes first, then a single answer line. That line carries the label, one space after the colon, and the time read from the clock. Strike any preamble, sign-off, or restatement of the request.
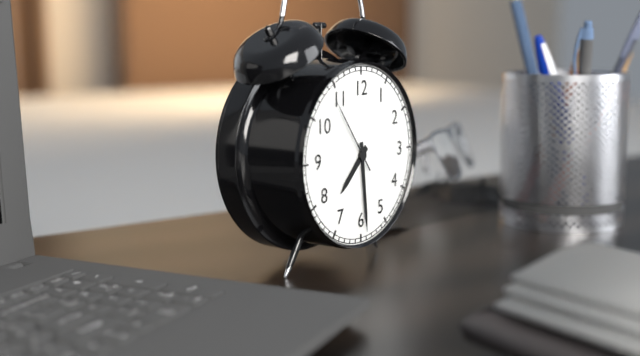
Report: 7:29:54
